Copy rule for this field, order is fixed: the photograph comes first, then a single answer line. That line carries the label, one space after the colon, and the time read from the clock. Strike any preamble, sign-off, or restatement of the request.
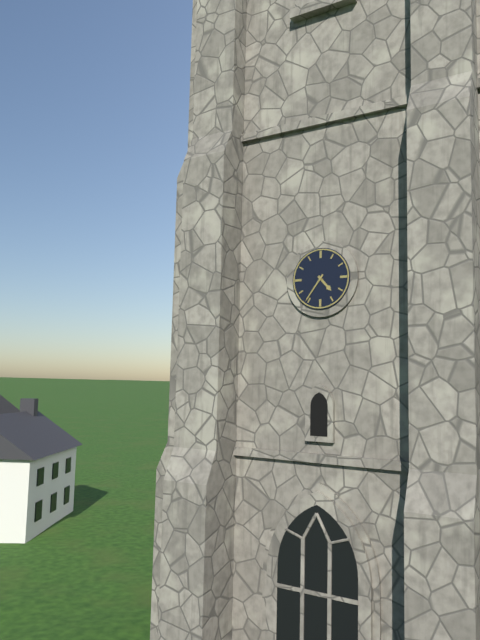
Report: 4:36
